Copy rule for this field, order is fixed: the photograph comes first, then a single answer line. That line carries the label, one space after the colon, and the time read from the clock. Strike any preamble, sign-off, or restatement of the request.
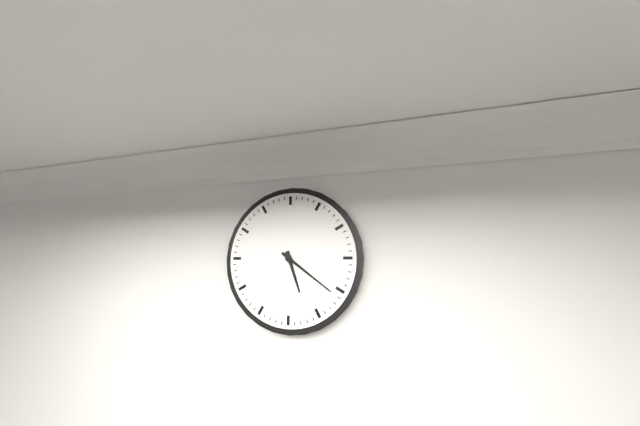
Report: 5:21
